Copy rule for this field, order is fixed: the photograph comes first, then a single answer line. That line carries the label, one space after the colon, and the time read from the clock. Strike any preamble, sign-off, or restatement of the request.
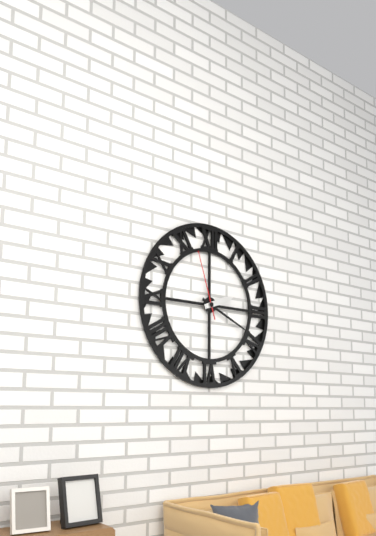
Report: 2:19:57
